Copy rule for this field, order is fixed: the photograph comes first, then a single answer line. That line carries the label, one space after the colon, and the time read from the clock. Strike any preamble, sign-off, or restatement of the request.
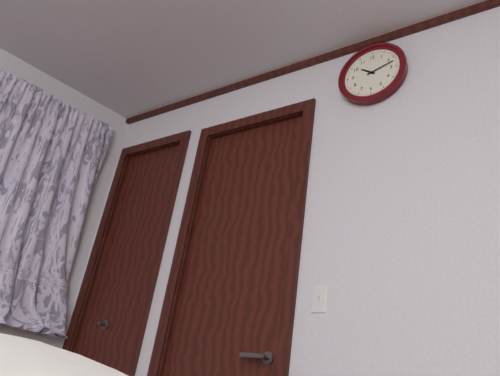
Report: 10:12
